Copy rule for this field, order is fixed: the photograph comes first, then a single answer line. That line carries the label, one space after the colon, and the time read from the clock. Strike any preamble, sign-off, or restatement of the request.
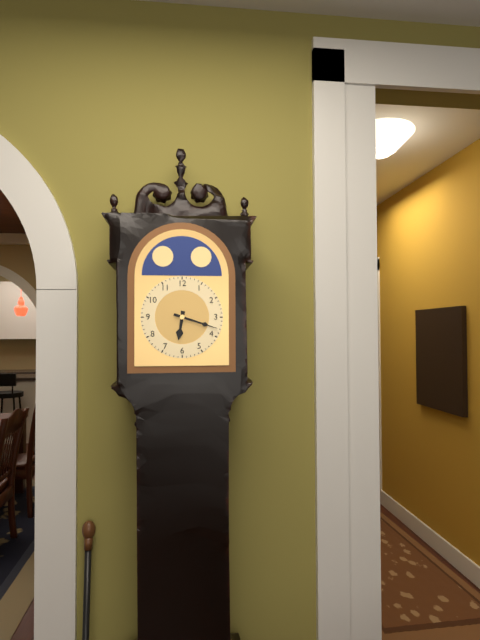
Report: 6:18
